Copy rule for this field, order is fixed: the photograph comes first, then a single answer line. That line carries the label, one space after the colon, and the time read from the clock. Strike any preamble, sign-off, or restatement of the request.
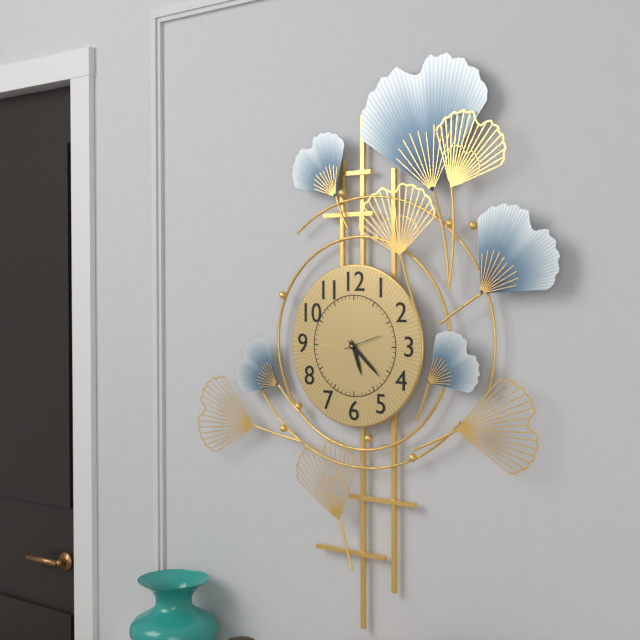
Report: 5:22
